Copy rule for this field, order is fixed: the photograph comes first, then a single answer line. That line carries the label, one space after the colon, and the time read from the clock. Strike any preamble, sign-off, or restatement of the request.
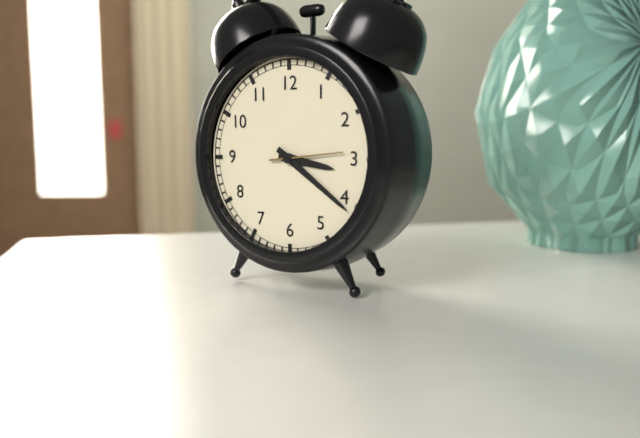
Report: 3:21:14
